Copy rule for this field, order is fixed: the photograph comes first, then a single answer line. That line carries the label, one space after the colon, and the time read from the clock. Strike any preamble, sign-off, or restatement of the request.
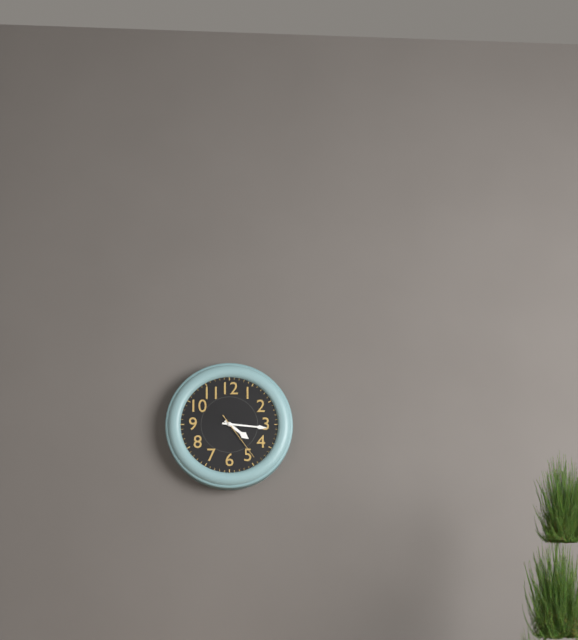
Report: 4:16:24
